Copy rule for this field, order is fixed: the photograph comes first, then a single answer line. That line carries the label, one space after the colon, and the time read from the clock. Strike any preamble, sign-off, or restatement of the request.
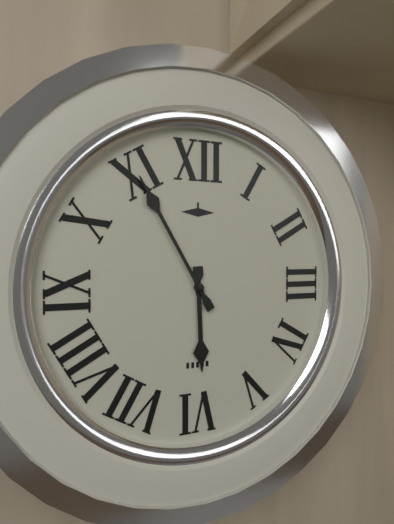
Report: 5:55
